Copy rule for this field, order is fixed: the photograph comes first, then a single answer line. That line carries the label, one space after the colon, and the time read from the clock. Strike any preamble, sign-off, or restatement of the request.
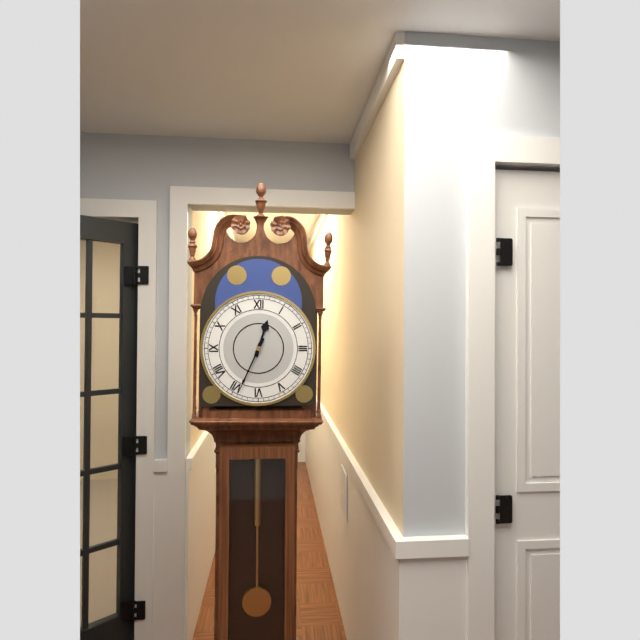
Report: 12:34
